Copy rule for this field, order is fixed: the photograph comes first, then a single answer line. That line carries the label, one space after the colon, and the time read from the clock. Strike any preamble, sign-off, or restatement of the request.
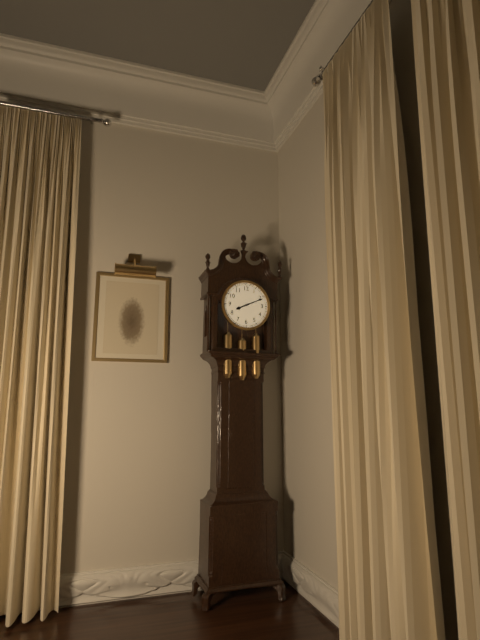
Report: 8:11
